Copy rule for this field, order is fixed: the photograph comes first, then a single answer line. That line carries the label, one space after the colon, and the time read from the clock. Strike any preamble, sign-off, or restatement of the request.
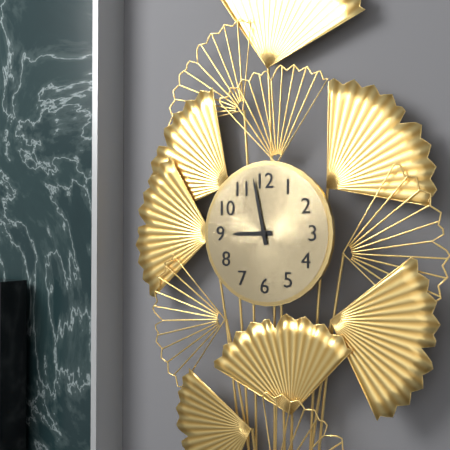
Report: 8:58
